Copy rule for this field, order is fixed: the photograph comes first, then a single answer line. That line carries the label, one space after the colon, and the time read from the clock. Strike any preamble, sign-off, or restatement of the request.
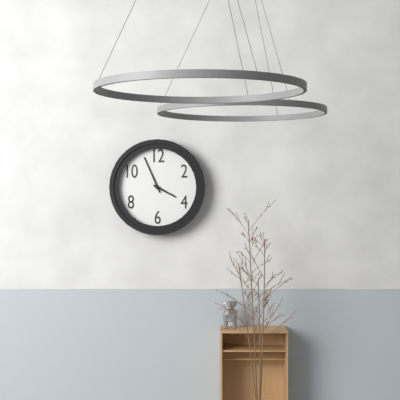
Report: 3:56
